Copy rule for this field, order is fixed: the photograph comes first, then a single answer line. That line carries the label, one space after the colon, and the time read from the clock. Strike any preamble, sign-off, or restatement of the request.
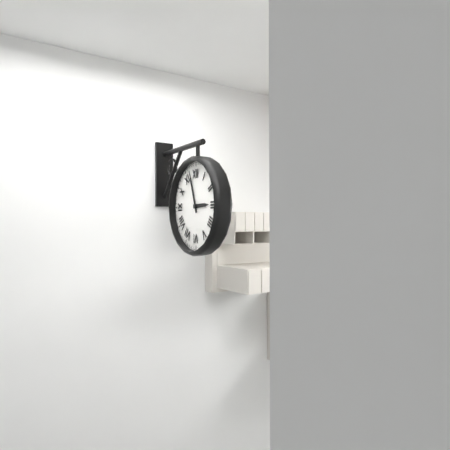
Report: 2:57
